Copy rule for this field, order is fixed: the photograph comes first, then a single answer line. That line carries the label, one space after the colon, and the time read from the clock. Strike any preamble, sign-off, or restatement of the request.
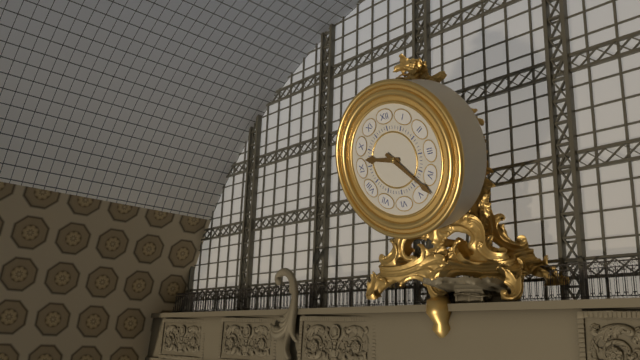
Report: 9:23
